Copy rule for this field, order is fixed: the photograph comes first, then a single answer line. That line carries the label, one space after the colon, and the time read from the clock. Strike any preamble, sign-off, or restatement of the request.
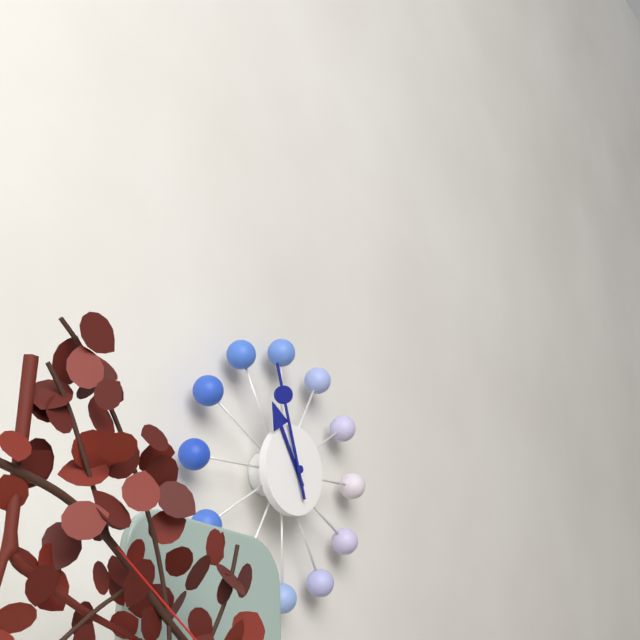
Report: 10:57
